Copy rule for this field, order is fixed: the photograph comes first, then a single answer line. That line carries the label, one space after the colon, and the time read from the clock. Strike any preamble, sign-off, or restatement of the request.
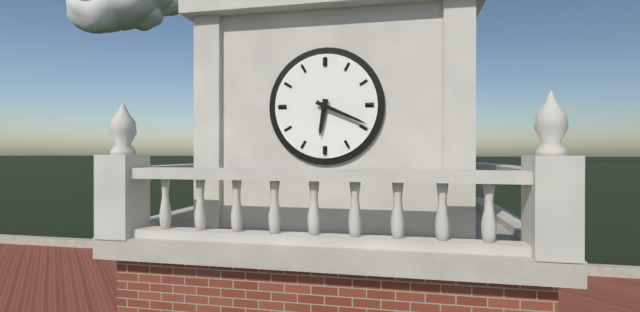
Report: 6:19
